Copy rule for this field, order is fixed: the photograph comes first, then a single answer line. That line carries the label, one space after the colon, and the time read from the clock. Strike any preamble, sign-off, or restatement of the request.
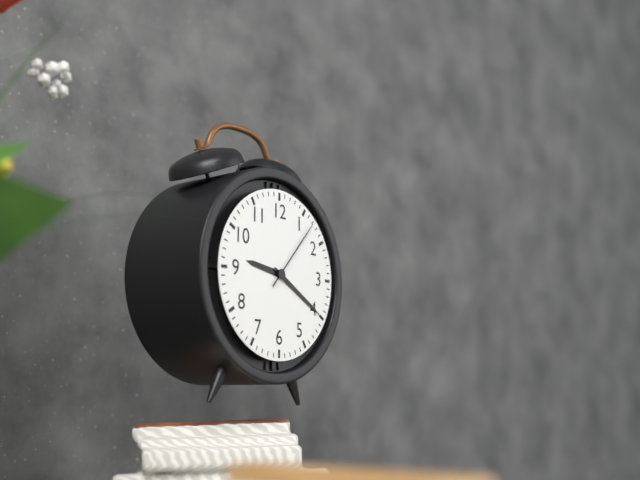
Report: 9:20:07
